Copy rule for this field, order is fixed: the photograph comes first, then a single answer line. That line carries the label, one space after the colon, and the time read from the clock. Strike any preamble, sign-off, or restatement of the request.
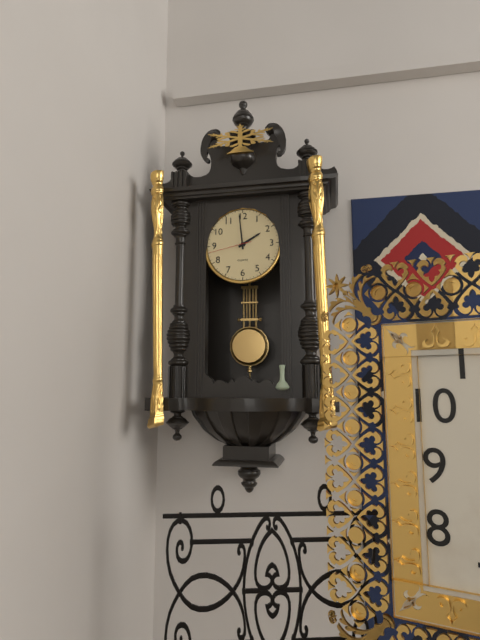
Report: 1:59
